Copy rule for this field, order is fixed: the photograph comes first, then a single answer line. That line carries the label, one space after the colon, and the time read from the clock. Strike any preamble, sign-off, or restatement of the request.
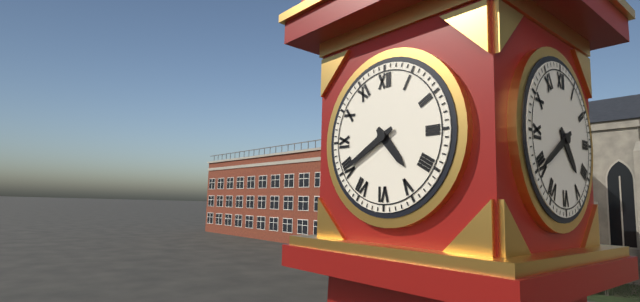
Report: 4:40
